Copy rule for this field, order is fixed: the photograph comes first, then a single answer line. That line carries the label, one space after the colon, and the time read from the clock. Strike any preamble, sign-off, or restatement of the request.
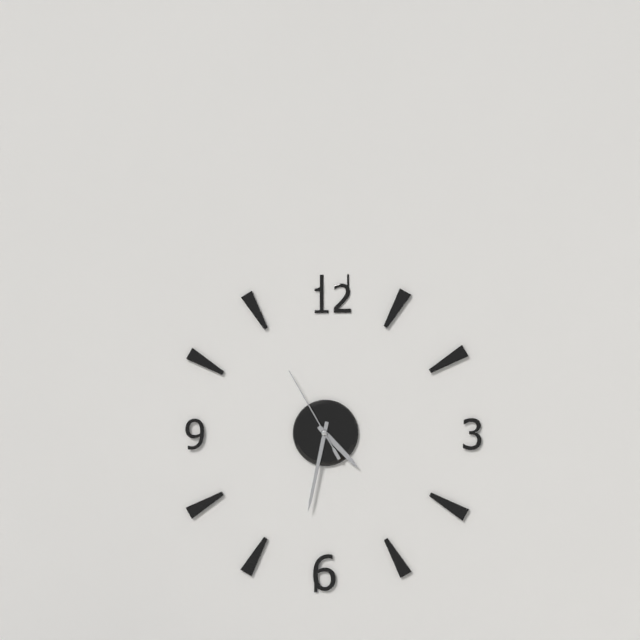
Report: 4:32:55
